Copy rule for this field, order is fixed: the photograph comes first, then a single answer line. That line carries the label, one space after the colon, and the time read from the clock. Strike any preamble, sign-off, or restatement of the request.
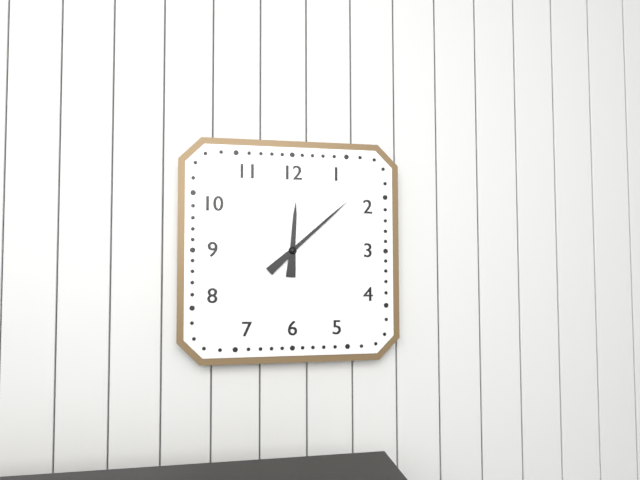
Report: 12:08
